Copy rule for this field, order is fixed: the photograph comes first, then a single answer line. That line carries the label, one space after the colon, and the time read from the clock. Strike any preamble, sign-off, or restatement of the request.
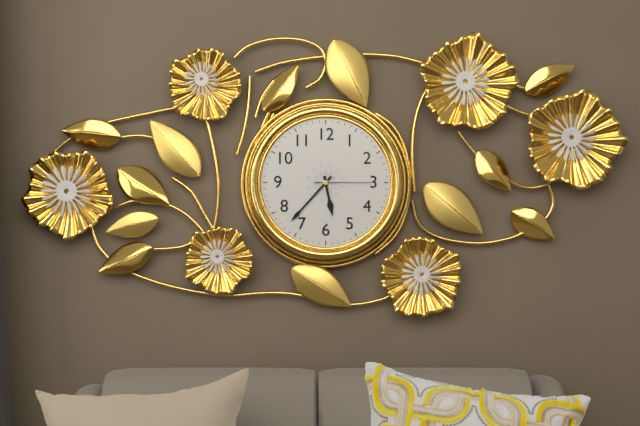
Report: 5:37:15
